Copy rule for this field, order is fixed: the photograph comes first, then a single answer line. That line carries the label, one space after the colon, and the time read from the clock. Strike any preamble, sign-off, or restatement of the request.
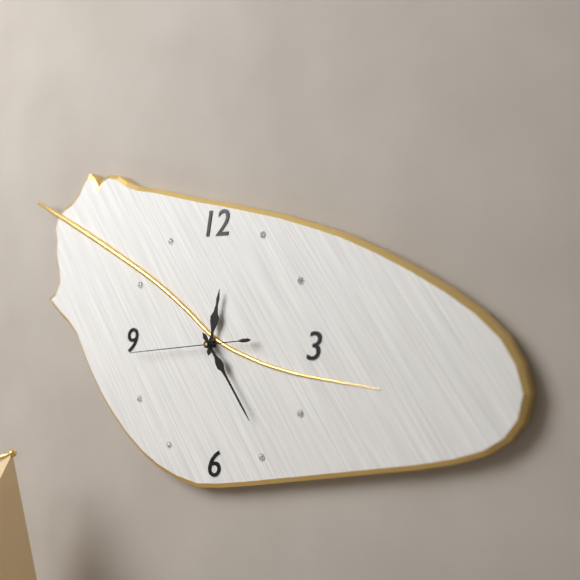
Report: 12:24:44
